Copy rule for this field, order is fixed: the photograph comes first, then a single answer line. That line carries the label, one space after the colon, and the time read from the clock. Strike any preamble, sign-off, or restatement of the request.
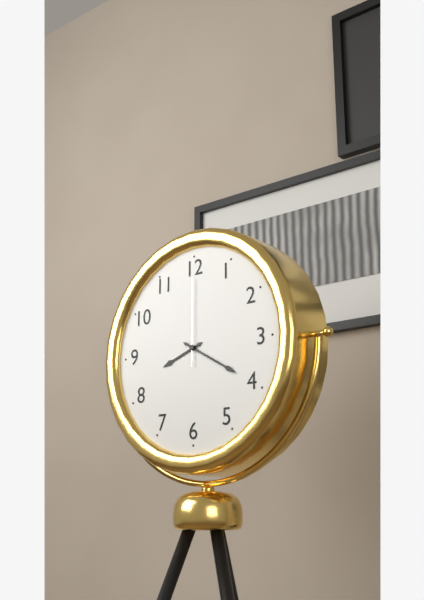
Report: 8:20:00
